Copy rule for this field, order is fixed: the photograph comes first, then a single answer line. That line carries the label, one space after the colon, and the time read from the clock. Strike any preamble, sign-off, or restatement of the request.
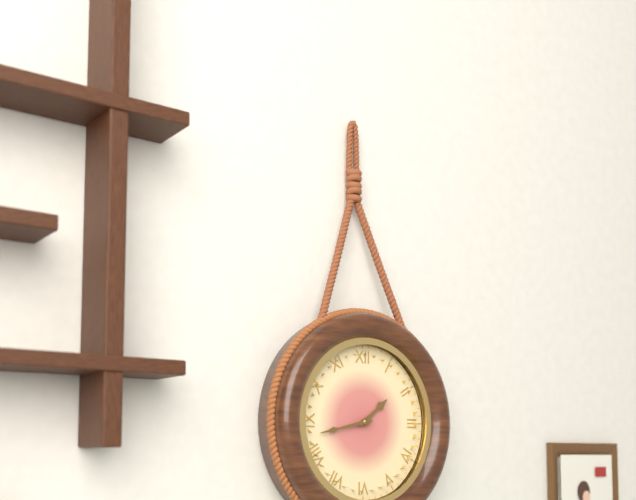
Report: 1:43
